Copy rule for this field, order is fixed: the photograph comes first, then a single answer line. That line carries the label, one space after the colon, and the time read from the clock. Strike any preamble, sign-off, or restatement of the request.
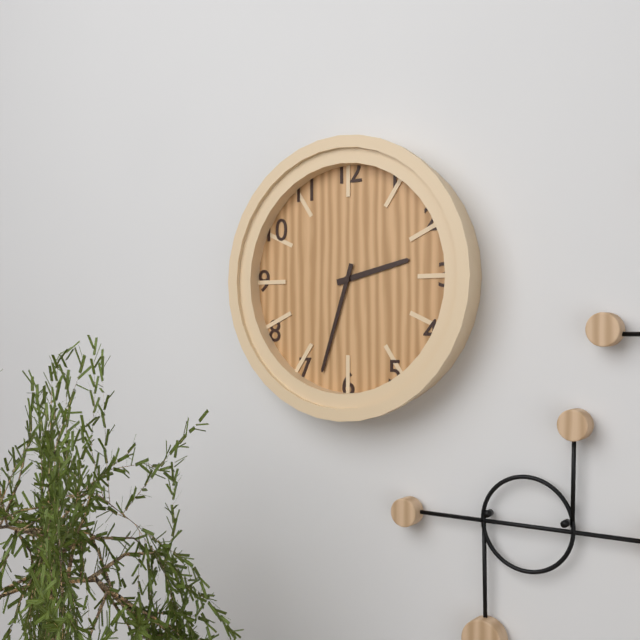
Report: 2:33
